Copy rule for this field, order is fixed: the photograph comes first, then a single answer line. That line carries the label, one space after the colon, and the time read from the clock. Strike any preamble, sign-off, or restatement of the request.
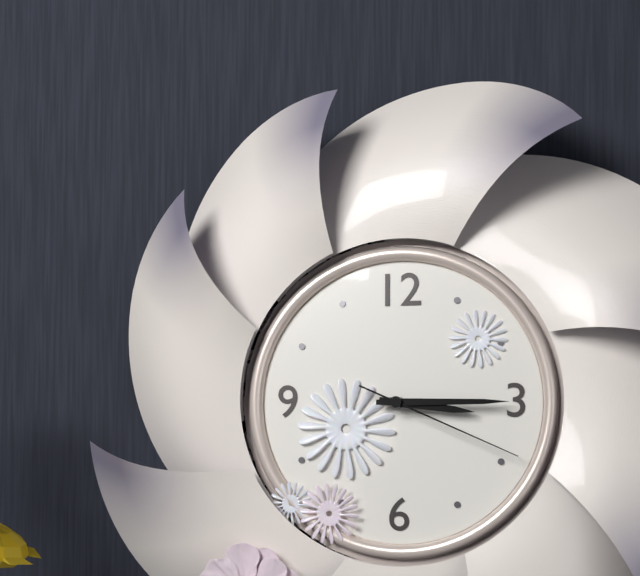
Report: 3:15:19
